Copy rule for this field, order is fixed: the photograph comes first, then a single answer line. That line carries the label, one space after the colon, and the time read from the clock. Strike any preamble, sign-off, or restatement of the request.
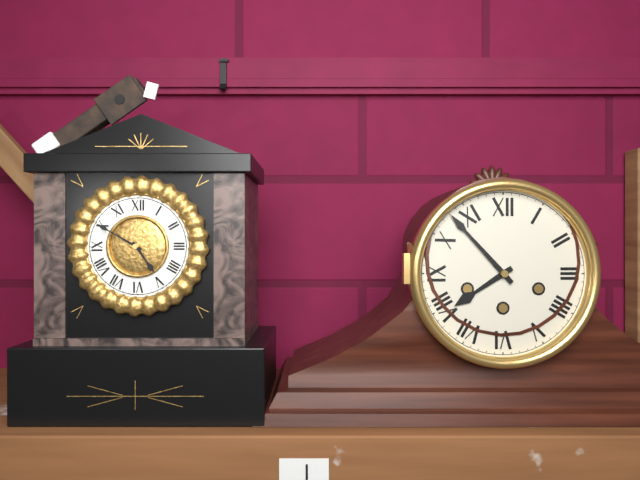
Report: 7:53
